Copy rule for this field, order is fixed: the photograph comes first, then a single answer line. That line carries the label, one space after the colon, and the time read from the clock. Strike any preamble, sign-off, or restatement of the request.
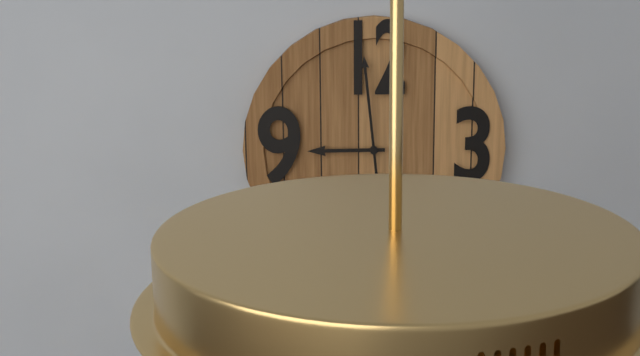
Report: 8:59
